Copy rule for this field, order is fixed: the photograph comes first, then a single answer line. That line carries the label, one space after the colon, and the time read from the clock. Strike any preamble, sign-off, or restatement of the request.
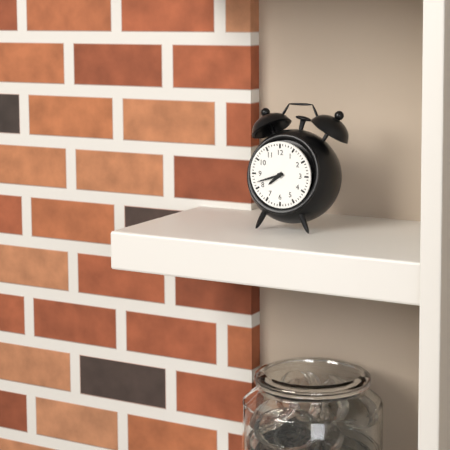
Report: 7:42
